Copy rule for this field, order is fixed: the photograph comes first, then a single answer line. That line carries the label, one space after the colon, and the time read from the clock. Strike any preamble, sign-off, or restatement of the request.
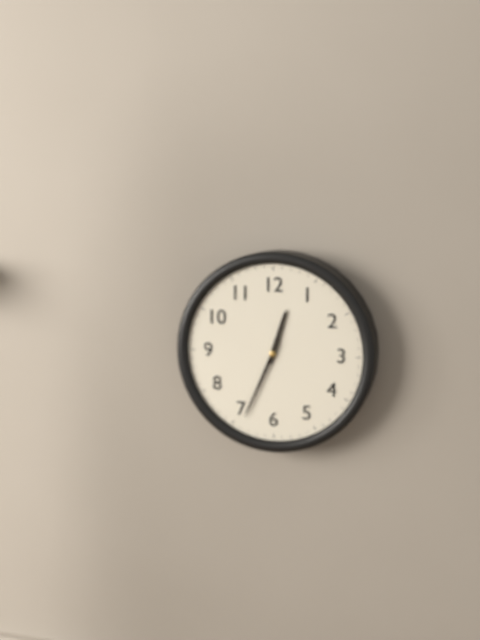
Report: 12:34
